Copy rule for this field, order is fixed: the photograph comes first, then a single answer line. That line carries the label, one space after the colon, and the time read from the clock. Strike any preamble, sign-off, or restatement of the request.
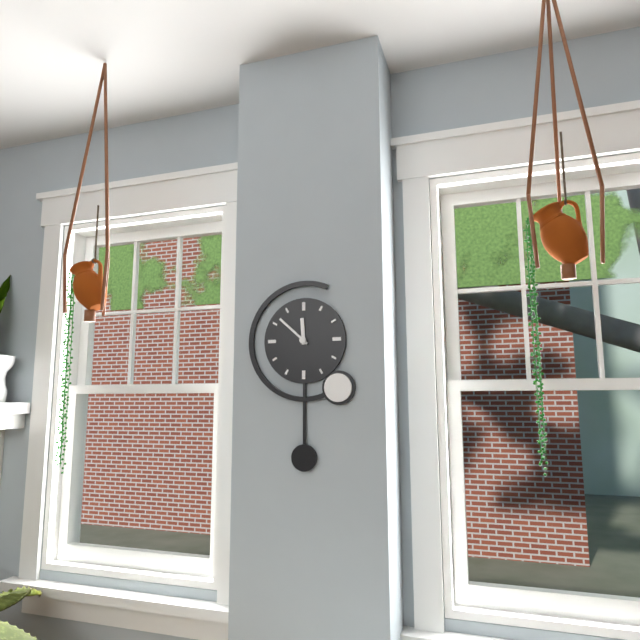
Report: 11:52
